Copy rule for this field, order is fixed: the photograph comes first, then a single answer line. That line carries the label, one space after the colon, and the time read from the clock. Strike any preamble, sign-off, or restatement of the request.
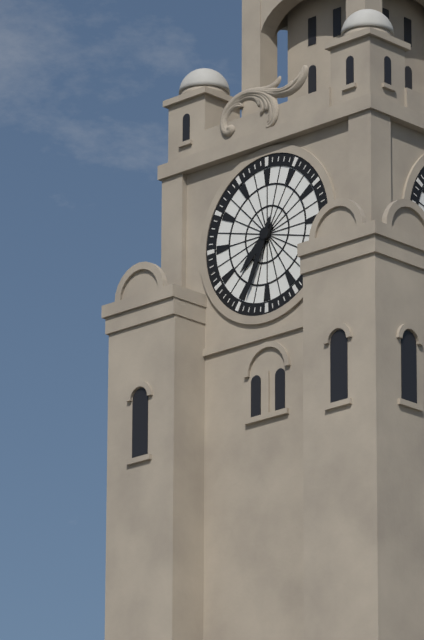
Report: 7:34
